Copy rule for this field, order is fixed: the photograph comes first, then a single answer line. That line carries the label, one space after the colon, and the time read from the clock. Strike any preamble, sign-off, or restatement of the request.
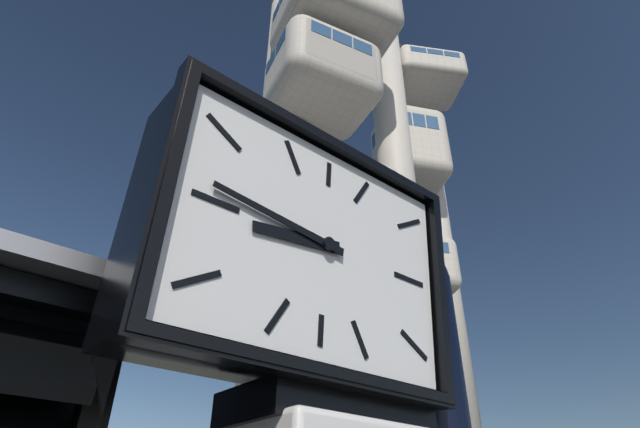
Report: 8:46
